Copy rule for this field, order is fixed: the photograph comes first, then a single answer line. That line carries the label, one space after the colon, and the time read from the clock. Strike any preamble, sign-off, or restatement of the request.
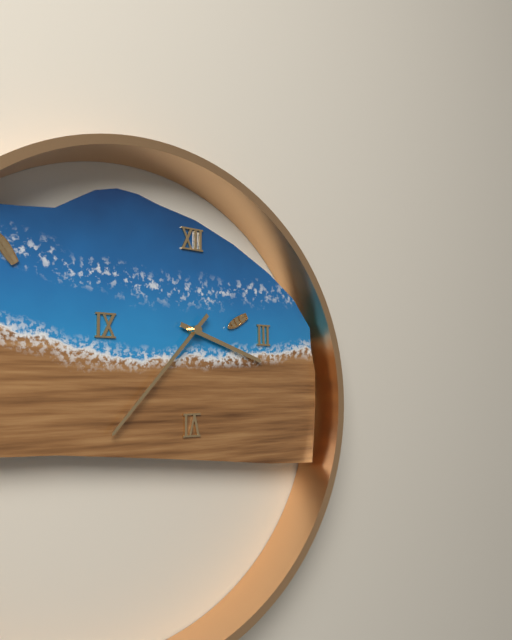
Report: 3:37
